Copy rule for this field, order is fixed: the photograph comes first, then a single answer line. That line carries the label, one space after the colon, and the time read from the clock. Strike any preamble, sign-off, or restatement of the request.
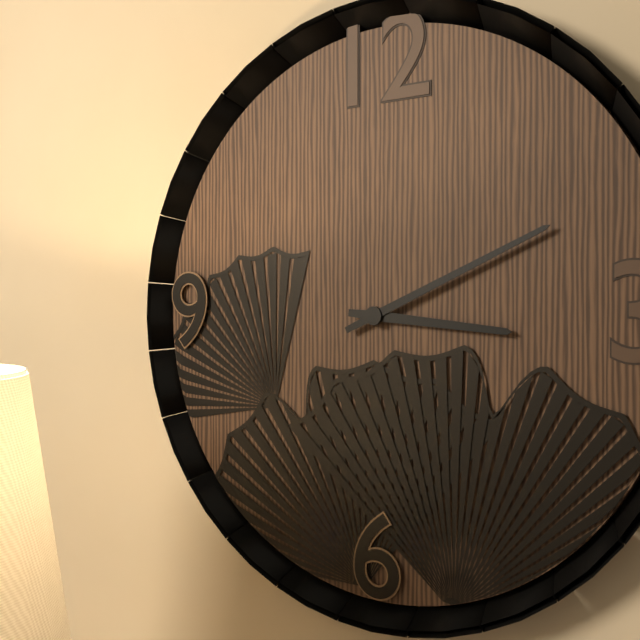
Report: 3:11
